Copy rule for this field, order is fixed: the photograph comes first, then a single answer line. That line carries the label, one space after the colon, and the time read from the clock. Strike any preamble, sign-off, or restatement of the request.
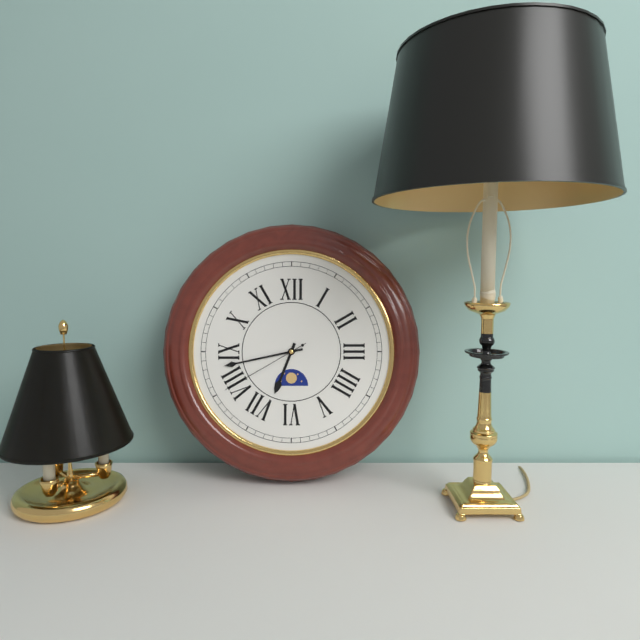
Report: 6:43:40
